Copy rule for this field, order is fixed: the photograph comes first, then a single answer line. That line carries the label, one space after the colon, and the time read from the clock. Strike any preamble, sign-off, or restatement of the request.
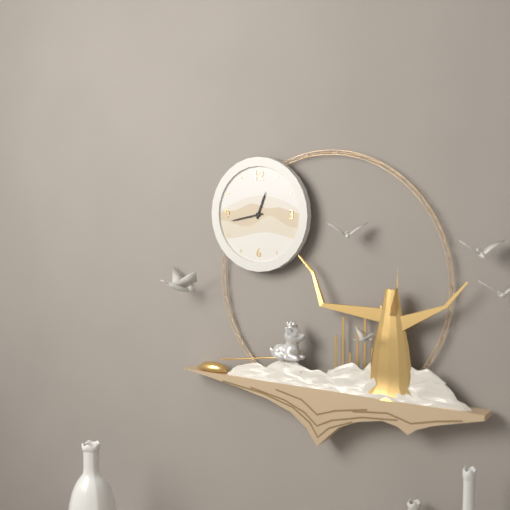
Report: 12:43
